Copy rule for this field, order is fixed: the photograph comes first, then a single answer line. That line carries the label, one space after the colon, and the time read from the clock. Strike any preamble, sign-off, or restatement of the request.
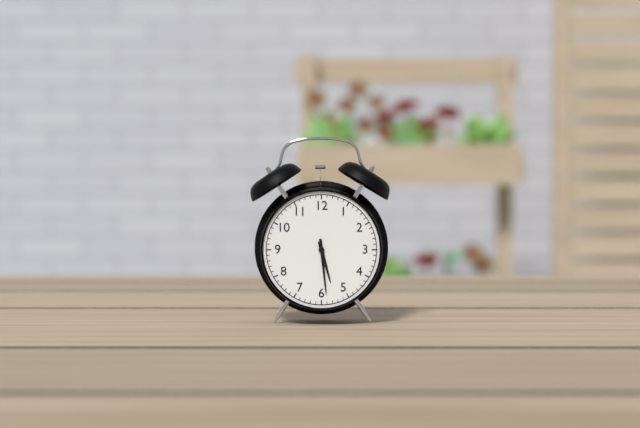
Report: 5:29
